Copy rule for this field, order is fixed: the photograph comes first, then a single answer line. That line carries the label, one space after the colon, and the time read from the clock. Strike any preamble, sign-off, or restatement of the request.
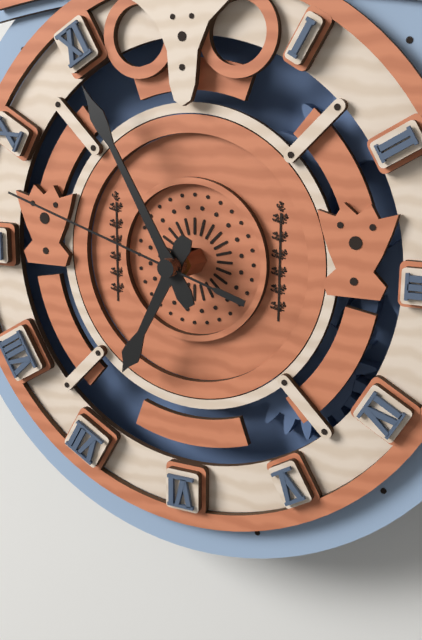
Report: 6:55:48
